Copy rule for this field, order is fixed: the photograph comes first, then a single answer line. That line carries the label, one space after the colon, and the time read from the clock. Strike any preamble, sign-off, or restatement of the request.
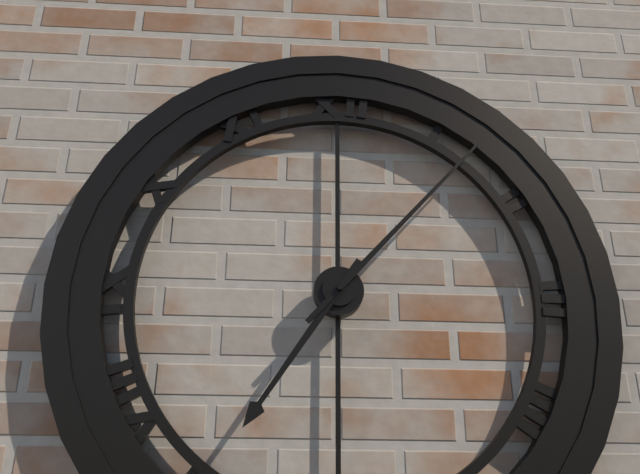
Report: 7:07
